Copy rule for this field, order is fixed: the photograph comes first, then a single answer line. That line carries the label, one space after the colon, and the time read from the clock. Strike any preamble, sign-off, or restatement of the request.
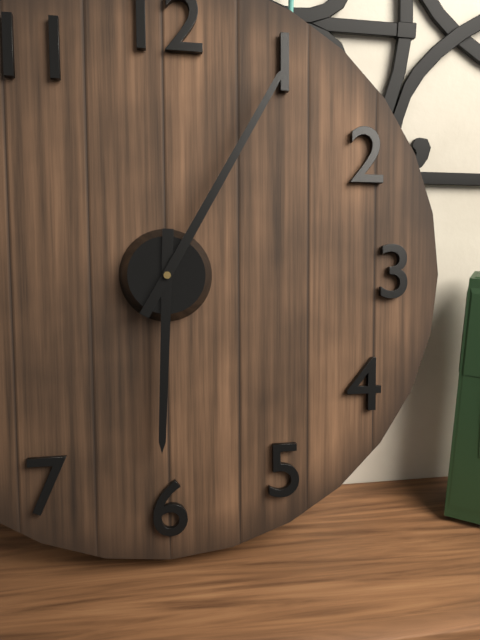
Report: 6:05
